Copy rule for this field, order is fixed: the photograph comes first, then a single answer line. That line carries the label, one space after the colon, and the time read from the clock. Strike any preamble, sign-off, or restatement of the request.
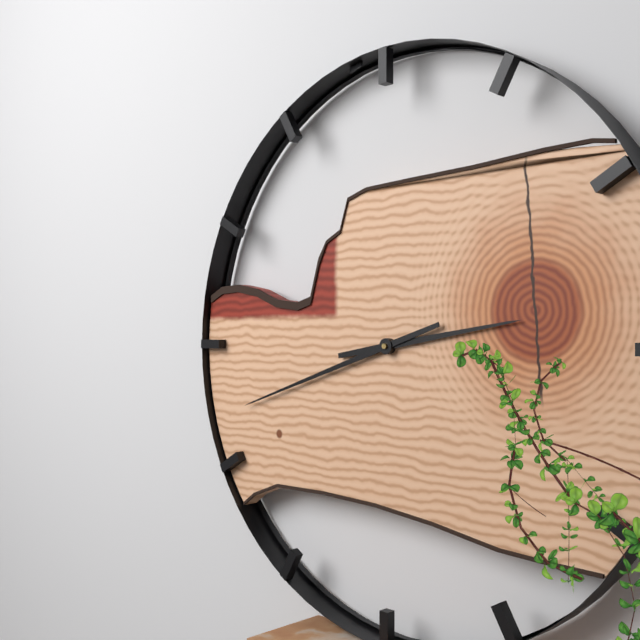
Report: 2:42
